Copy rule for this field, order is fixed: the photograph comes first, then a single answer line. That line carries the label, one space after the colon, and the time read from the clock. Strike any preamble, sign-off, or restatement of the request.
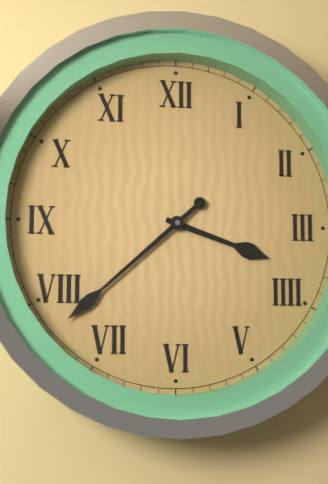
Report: 3:38
